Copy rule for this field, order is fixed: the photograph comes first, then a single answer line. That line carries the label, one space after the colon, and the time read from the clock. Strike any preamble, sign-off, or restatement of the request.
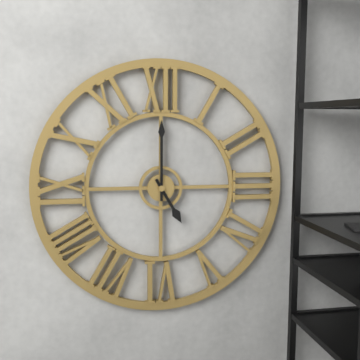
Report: 5:00
